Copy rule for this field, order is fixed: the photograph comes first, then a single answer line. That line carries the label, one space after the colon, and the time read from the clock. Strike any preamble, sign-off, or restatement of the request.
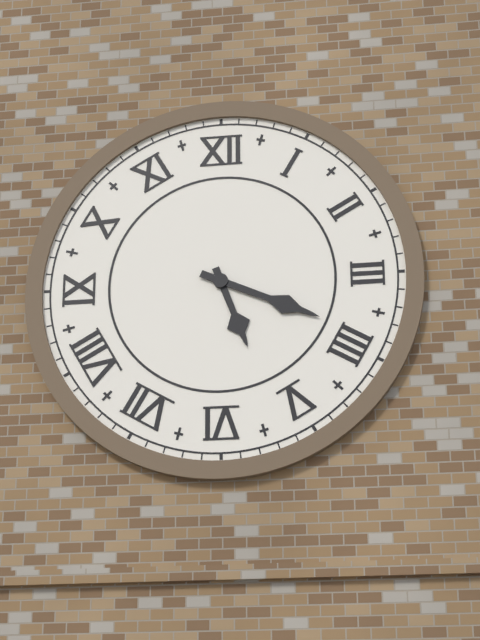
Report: 5:19
